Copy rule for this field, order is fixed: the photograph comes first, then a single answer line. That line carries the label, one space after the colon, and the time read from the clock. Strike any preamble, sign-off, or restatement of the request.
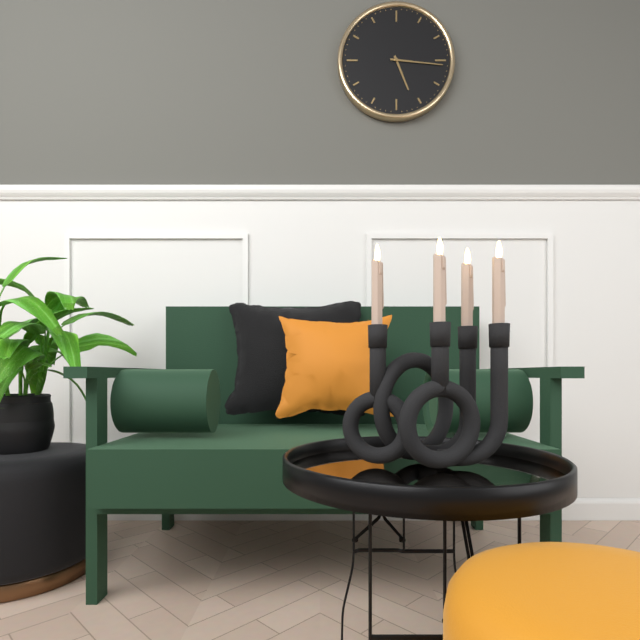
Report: 5:16
